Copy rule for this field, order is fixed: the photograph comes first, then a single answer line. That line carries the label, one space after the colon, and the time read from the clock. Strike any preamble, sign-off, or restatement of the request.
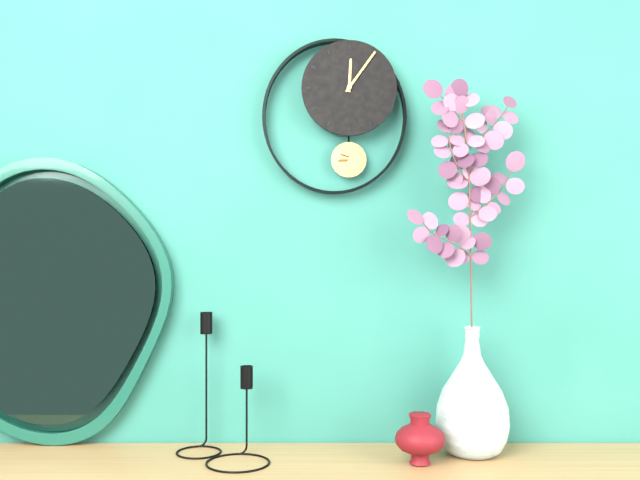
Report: 12:06
